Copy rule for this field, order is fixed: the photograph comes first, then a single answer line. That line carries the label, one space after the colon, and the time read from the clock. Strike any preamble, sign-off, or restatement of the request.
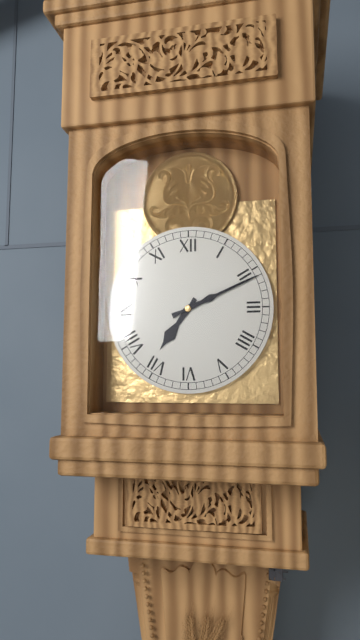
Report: 7:11
